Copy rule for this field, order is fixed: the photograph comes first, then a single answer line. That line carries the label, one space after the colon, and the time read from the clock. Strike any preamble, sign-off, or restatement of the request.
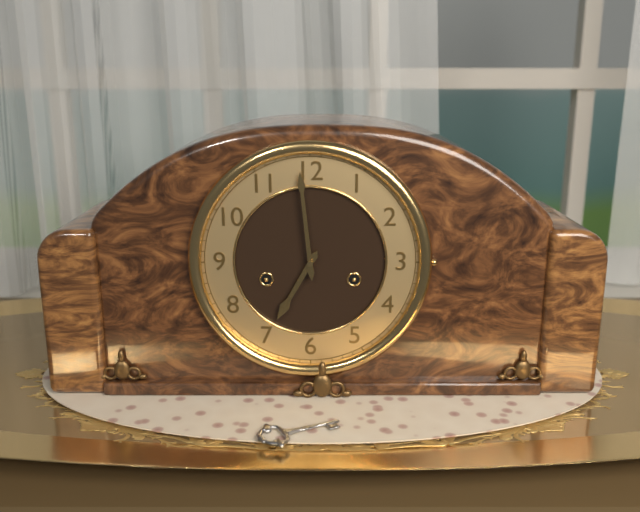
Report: 6:59
